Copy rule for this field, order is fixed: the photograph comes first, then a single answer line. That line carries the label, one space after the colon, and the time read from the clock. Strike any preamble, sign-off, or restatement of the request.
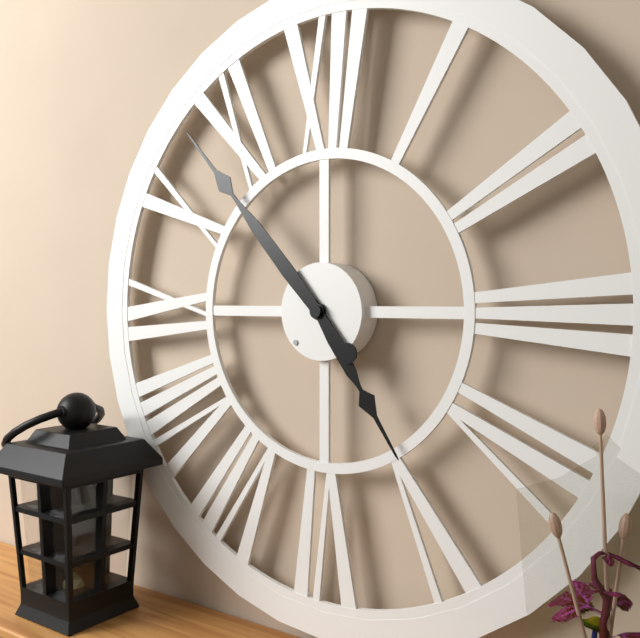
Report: 4:53
